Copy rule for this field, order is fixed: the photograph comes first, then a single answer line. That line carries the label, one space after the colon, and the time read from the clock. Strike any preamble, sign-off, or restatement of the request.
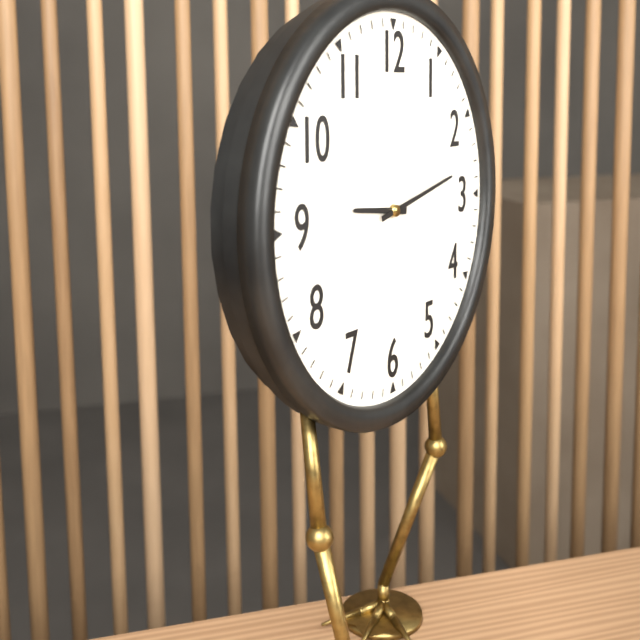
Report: 9:13
